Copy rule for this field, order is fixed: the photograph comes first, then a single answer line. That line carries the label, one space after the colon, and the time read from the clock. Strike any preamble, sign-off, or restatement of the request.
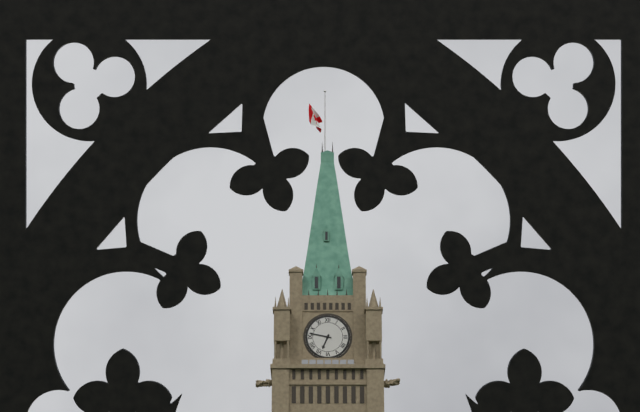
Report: 6:47
